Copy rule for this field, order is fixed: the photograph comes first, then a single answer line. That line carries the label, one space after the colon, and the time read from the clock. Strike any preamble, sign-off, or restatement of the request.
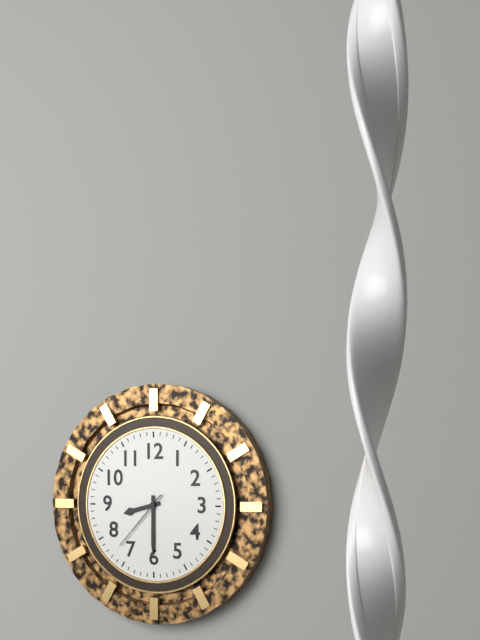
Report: 8:30:37
